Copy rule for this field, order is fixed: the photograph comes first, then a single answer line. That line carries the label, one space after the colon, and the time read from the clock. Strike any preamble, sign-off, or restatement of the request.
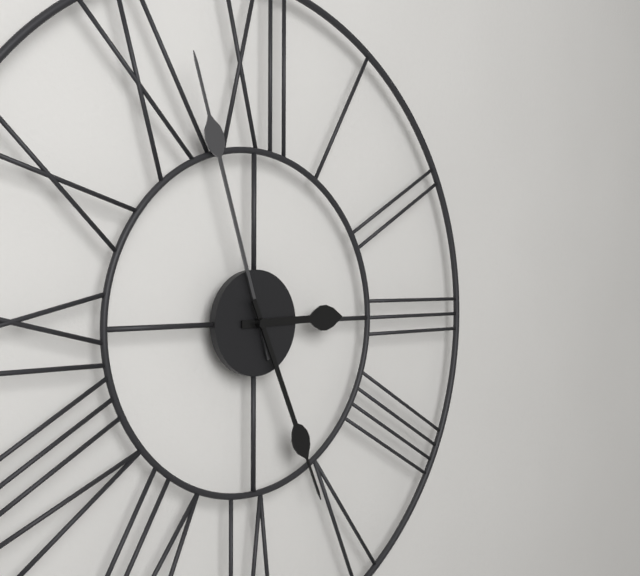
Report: 2:57:26
